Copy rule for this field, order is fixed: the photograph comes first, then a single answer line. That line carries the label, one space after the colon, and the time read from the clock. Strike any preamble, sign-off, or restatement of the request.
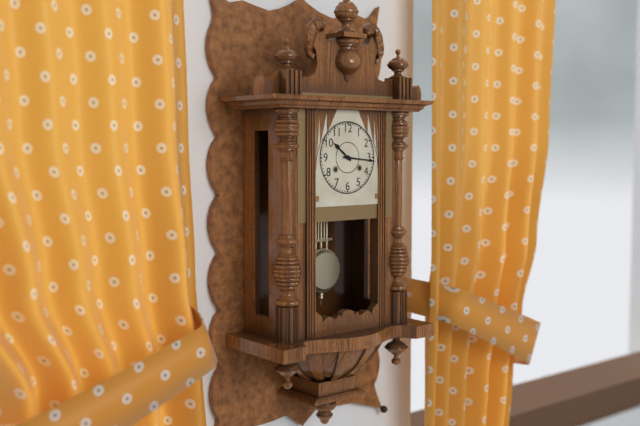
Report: 10:16
